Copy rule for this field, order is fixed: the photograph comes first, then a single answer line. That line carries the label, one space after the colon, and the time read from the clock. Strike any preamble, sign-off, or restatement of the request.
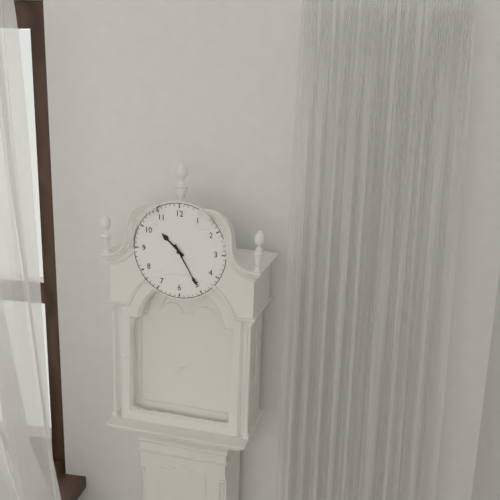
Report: 10:25
